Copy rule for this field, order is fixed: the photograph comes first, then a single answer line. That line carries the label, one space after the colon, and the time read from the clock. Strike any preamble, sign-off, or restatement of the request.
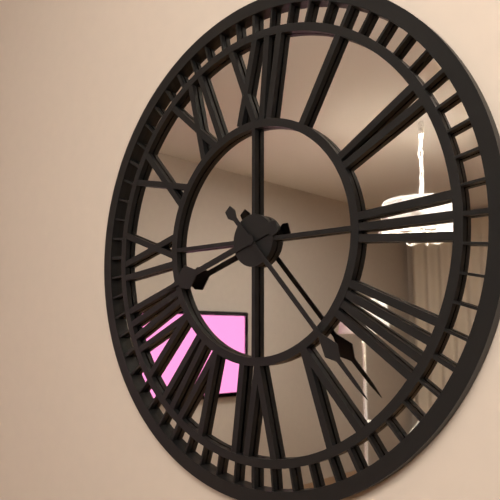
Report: 8:23
